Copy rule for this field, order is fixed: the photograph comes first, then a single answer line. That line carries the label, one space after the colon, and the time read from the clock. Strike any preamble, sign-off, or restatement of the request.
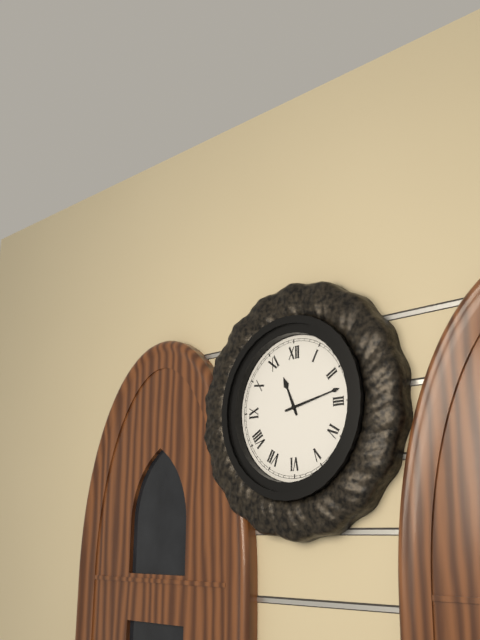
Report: 11:13
